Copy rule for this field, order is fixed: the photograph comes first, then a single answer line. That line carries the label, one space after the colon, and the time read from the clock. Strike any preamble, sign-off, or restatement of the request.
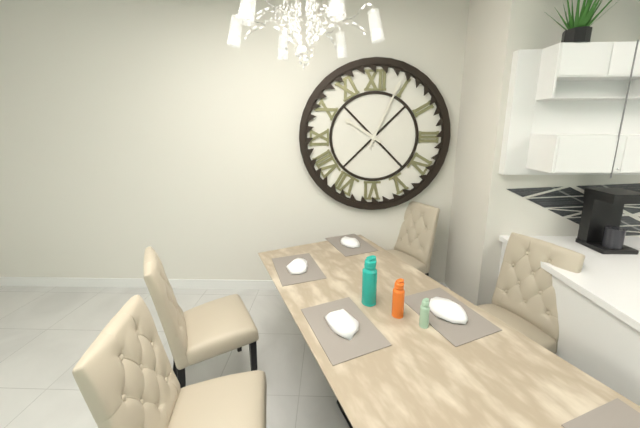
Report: 10:04
